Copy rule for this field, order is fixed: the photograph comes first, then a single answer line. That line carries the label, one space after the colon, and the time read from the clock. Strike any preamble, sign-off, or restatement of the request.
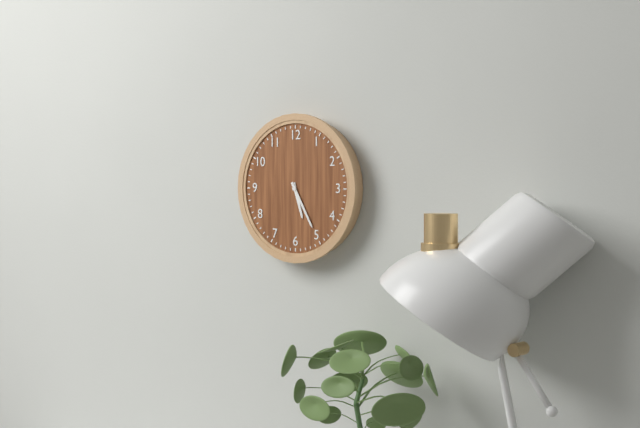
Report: 5:25
